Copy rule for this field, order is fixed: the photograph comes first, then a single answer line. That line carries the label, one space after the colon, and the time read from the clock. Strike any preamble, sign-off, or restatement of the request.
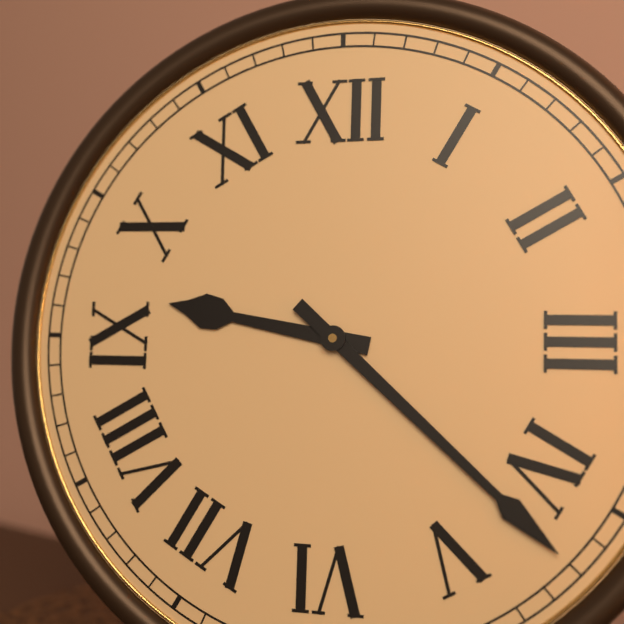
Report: 9:22
